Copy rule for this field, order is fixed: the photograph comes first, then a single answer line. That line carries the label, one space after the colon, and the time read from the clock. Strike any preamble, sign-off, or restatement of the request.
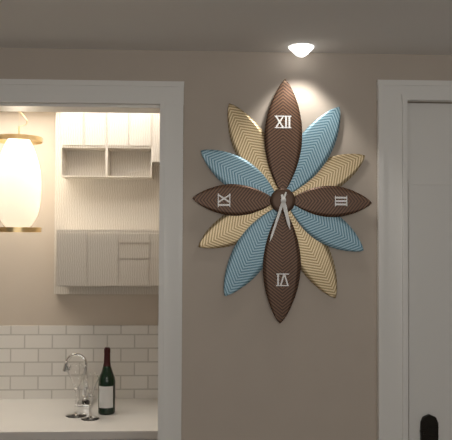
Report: 5:33
